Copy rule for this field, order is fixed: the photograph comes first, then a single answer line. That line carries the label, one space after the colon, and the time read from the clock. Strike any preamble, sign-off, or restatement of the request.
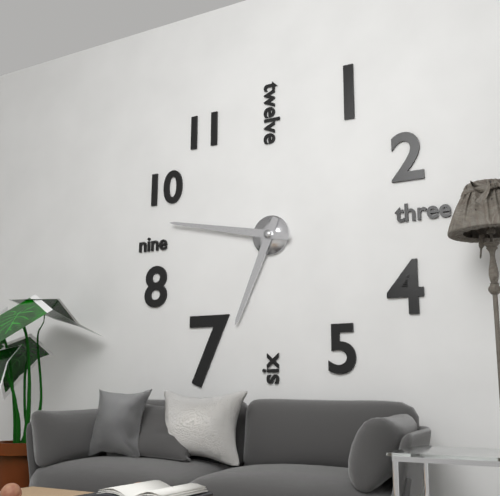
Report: 6:47
